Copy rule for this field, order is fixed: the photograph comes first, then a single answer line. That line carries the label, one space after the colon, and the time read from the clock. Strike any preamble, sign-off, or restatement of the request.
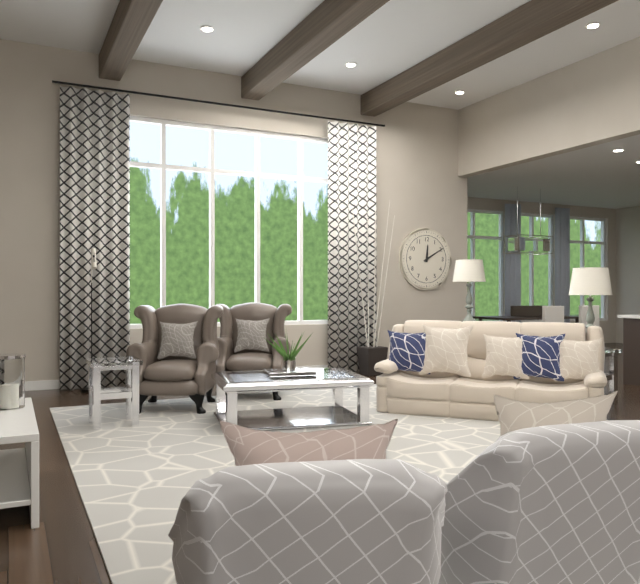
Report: 12:10
